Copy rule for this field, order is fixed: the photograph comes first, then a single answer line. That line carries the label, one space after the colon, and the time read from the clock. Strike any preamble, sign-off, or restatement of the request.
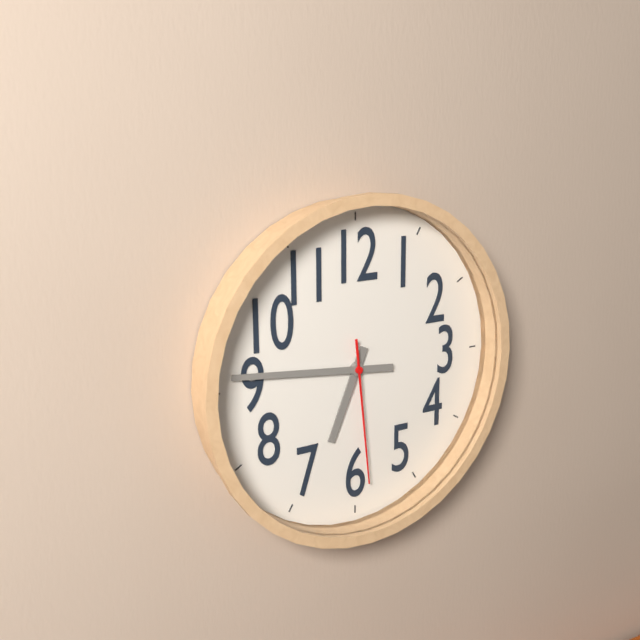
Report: 6:46:29
